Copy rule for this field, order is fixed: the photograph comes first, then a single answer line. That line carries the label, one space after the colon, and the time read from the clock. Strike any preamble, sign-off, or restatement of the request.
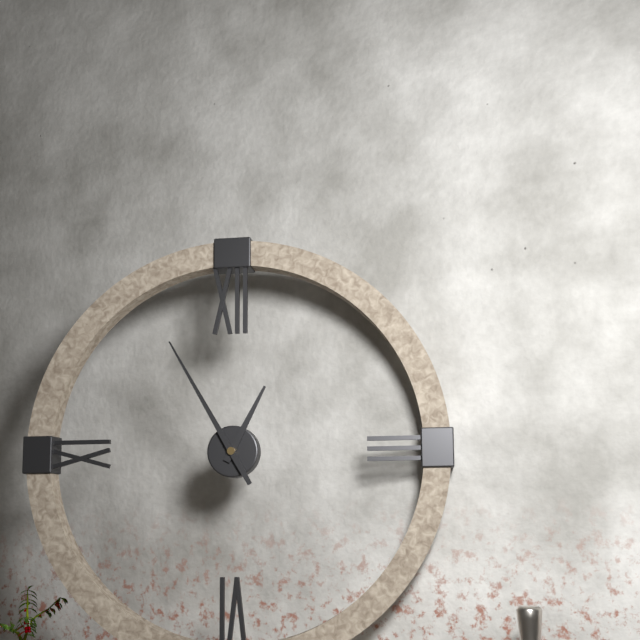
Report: 12:55
